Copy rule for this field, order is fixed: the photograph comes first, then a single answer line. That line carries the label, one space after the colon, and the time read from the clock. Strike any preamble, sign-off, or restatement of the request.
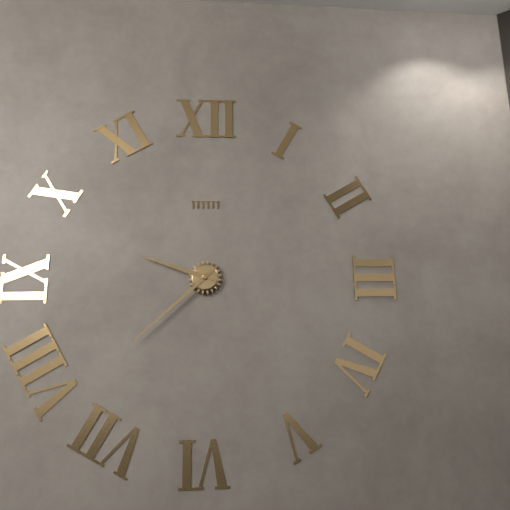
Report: 9:38
